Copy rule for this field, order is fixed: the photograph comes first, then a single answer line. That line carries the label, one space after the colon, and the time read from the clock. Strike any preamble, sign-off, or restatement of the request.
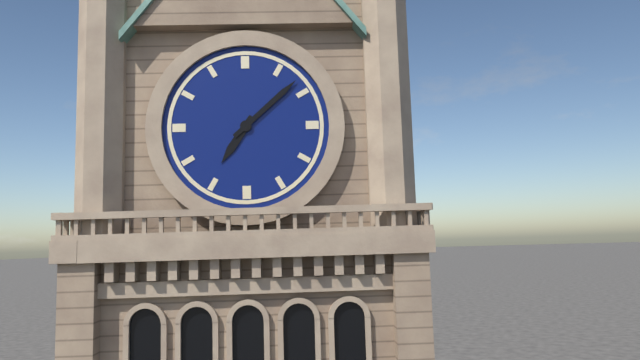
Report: 7:08
